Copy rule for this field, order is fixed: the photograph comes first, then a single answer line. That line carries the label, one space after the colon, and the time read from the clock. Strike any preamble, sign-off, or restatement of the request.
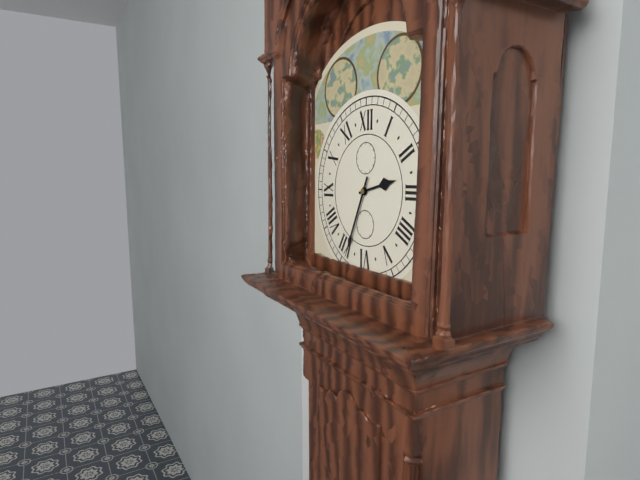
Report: 2:34
